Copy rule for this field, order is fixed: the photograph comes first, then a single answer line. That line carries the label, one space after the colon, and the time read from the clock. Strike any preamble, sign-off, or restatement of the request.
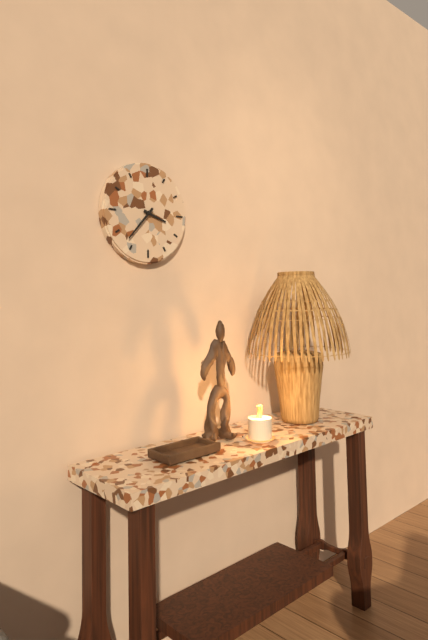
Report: 3:37
